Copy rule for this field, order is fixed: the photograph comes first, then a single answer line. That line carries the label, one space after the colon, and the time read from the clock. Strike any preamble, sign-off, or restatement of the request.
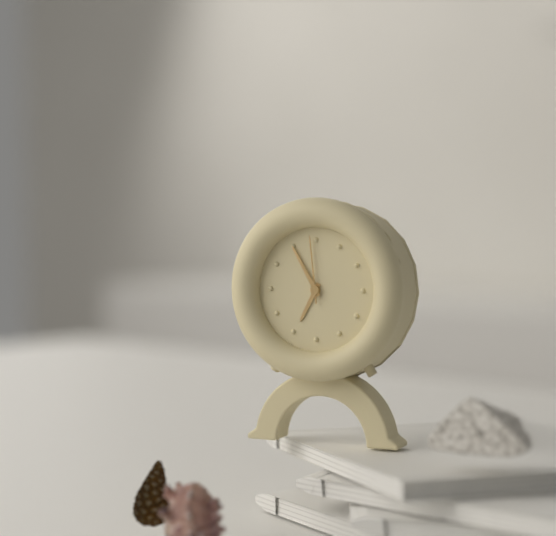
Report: 6:55:59
